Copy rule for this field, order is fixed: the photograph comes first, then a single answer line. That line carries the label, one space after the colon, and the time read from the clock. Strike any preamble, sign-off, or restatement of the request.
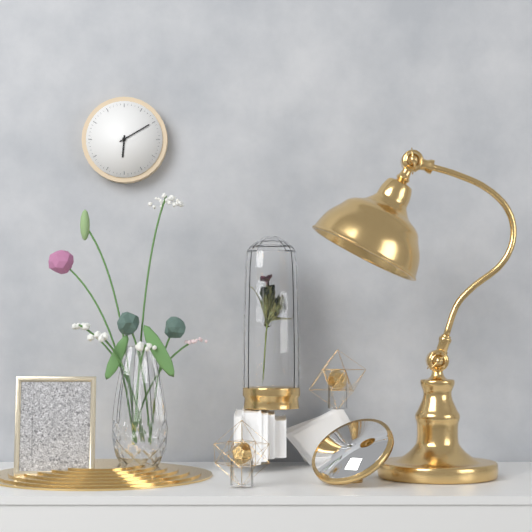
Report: 6:10
